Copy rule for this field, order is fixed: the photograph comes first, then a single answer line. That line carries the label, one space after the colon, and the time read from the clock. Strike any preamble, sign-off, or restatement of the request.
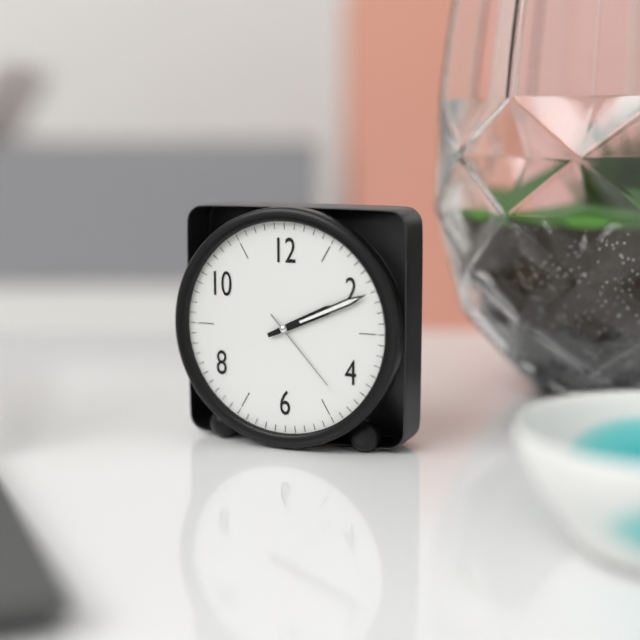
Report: 2:11:23
